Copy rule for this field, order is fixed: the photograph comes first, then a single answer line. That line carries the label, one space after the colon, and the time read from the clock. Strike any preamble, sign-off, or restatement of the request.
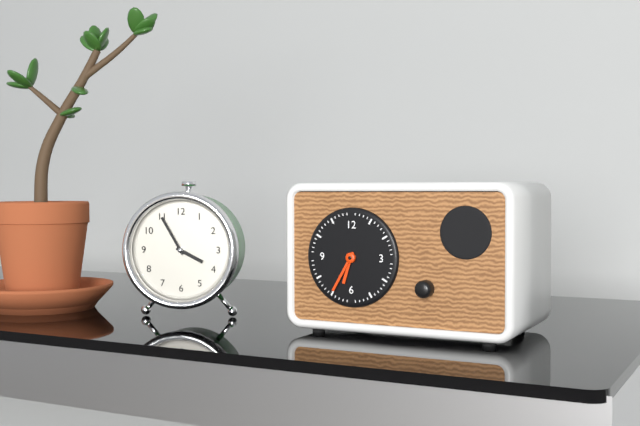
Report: 6:35
